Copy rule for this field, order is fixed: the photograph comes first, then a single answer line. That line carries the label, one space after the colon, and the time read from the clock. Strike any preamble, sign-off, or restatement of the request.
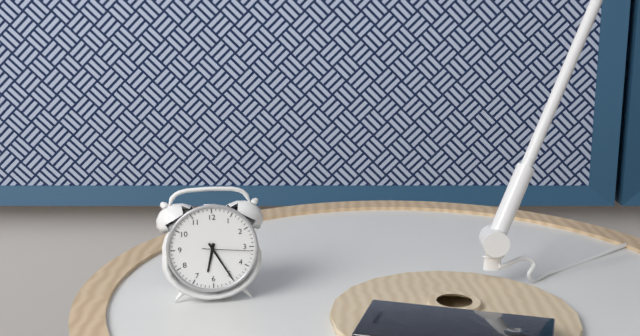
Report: 6:25:16
